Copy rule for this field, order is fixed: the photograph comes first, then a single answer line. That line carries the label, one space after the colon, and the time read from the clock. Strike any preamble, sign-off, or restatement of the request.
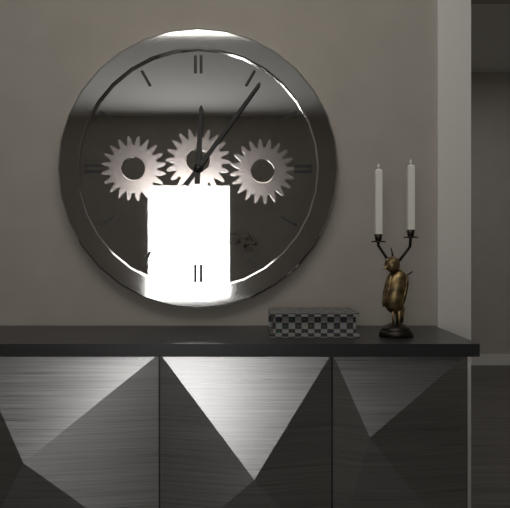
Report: 12:06
